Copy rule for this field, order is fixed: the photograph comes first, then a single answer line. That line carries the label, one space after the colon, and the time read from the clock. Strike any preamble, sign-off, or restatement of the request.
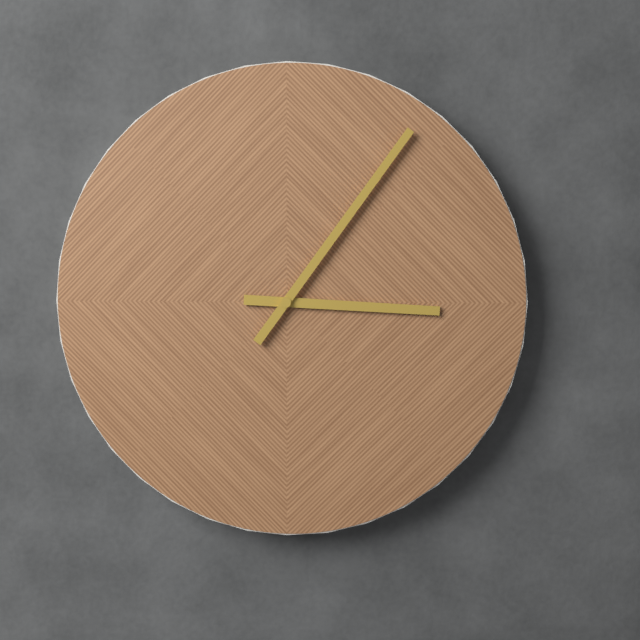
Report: 3:06
